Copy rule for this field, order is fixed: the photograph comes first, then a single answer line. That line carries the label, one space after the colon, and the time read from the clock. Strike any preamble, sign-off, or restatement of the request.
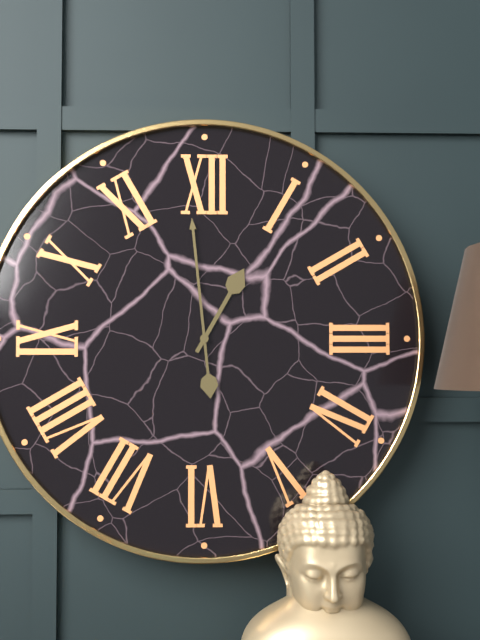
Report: 12:59
